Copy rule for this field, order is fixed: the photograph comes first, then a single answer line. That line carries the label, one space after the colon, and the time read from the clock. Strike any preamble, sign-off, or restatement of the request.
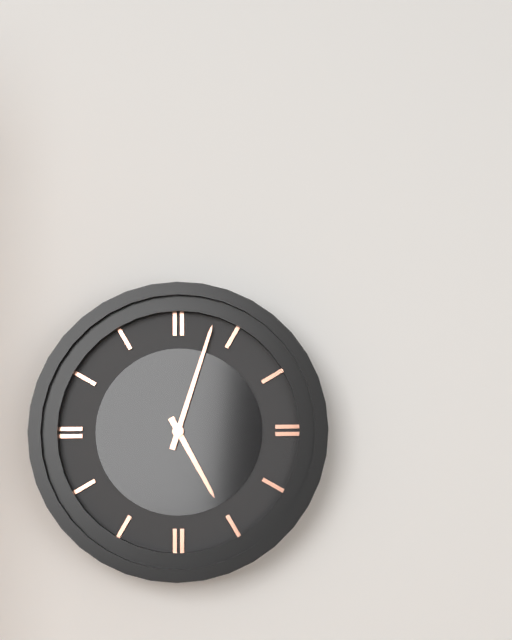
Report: 5:03
